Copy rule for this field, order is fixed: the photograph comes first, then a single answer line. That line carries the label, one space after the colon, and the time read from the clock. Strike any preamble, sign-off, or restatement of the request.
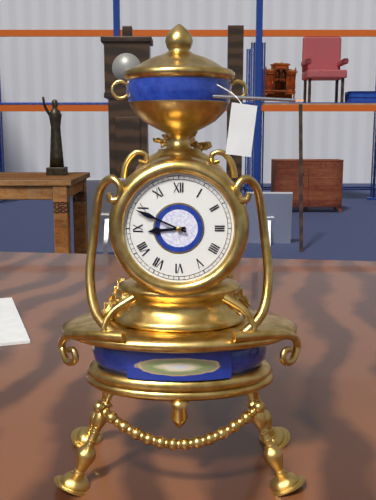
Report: 8:49
